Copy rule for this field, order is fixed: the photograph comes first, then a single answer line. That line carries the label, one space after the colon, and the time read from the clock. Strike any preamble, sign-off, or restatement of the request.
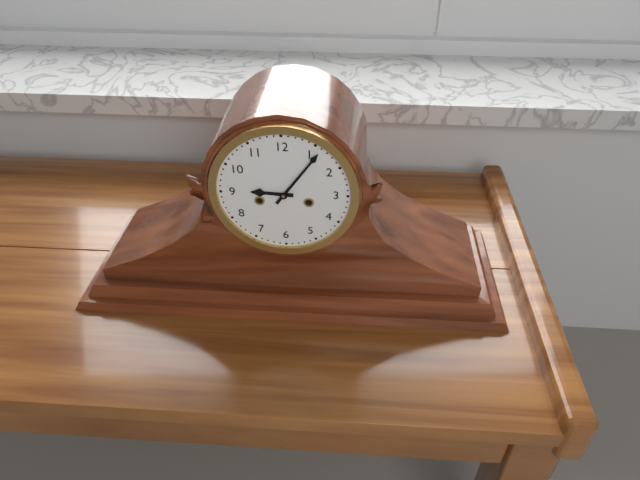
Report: 9:06
